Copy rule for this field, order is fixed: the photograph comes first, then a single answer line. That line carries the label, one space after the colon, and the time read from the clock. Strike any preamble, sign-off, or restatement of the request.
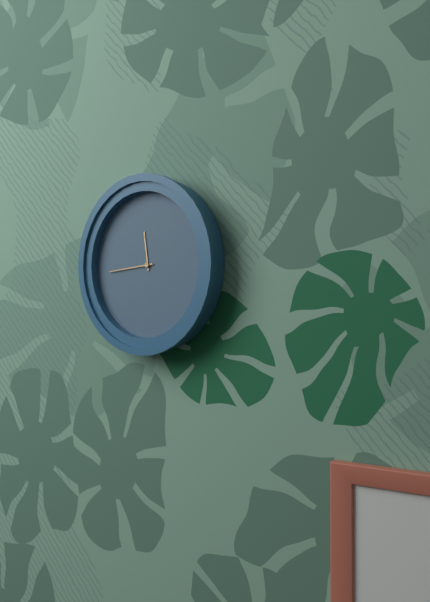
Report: 11:44
